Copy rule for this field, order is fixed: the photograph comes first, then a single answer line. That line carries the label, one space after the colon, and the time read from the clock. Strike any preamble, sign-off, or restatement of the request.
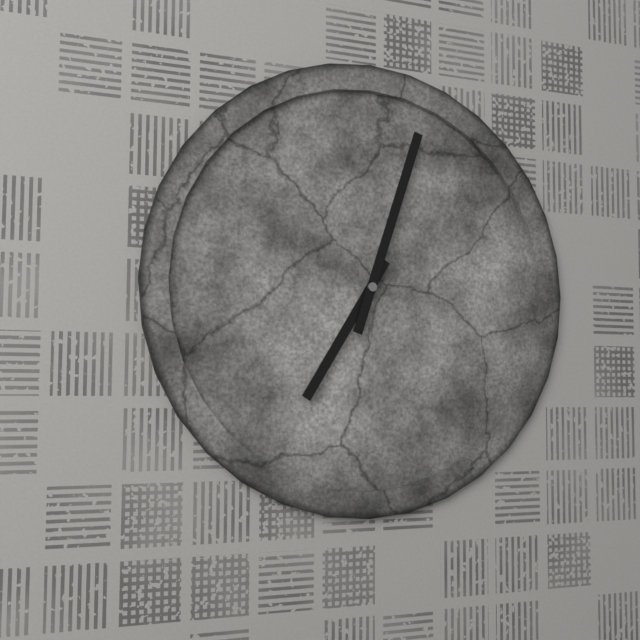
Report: 7:03
